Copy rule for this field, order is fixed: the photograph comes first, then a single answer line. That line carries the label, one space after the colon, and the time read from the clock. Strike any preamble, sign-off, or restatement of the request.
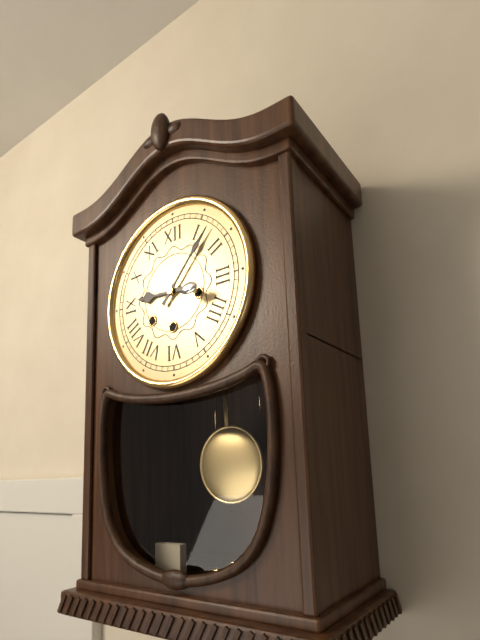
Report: 9:07
